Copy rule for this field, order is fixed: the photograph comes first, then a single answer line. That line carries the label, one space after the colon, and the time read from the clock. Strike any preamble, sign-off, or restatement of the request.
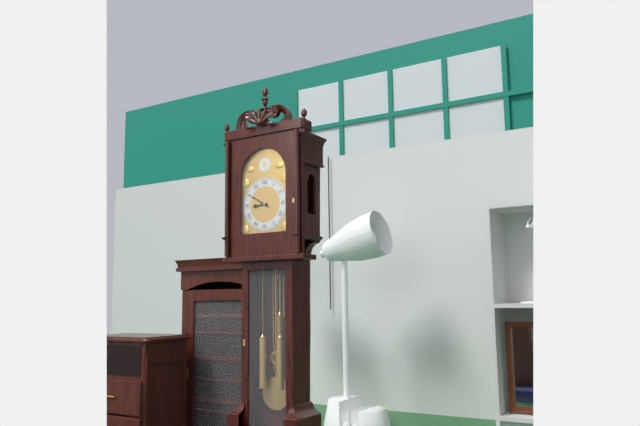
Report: 8:50
